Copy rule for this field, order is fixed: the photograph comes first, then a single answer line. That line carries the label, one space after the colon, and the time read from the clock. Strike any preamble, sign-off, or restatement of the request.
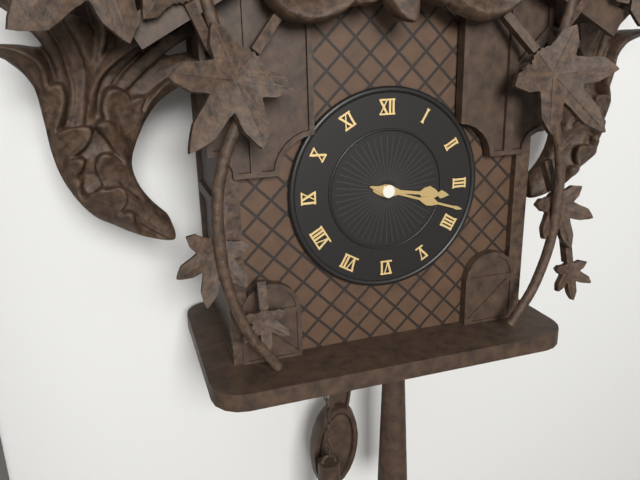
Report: 3:18
